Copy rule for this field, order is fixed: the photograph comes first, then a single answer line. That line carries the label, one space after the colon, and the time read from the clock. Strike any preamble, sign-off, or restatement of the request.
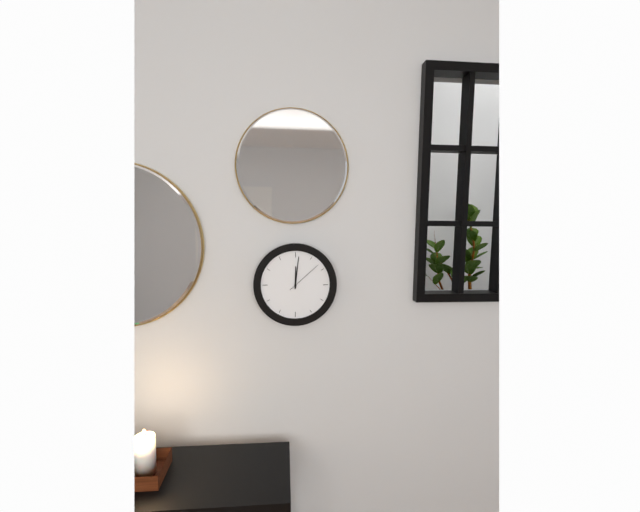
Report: 12:01
